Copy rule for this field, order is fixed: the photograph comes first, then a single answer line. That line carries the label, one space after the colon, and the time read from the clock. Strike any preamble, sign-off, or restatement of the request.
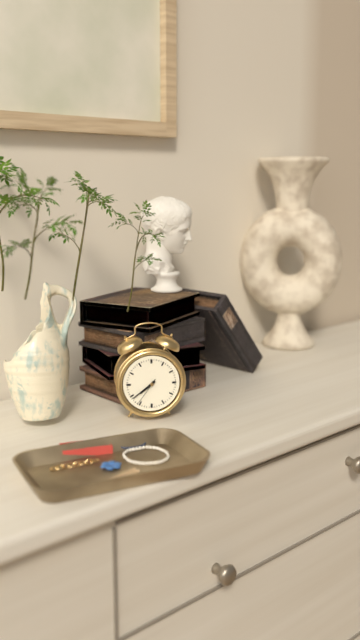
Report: 7:39
